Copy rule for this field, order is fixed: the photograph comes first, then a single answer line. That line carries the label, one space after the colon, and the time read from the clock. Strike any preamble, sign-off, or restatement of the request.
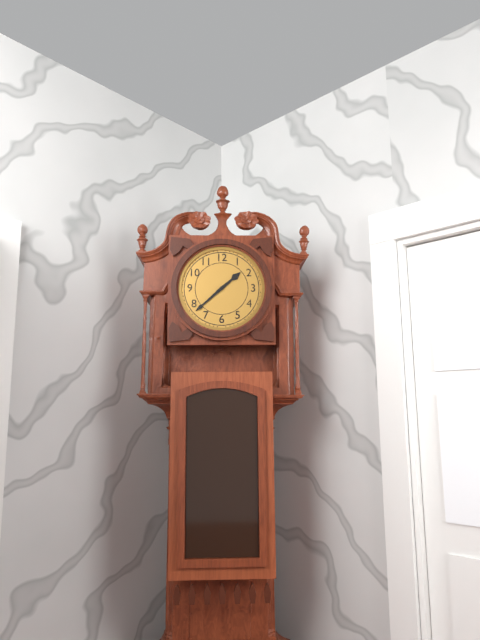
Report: 1:38
